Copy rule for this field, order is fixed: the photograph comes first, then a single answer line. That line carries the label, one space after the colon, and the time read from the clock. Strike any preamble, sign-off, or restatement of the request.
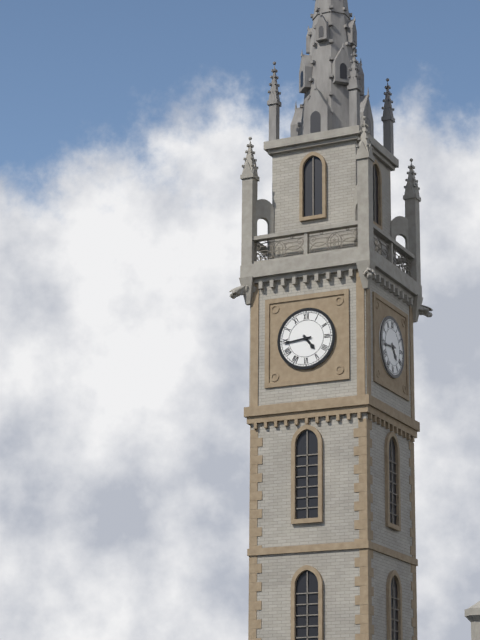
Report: 4:44
